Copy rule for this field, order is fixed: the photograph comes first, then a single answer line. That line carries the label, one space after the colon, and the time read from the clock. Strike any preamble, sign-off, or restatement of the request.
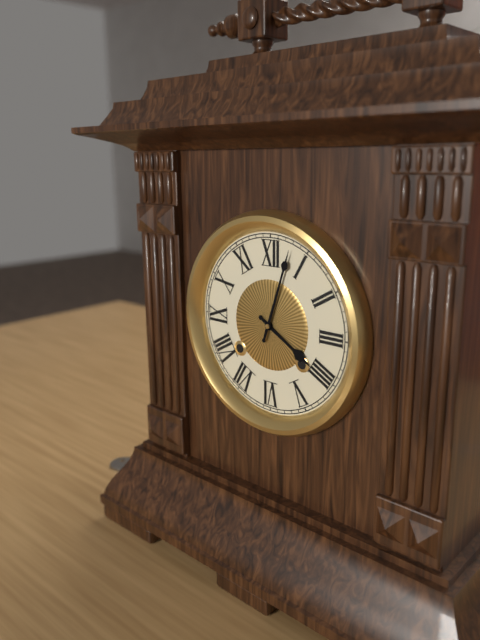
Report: 4:03
